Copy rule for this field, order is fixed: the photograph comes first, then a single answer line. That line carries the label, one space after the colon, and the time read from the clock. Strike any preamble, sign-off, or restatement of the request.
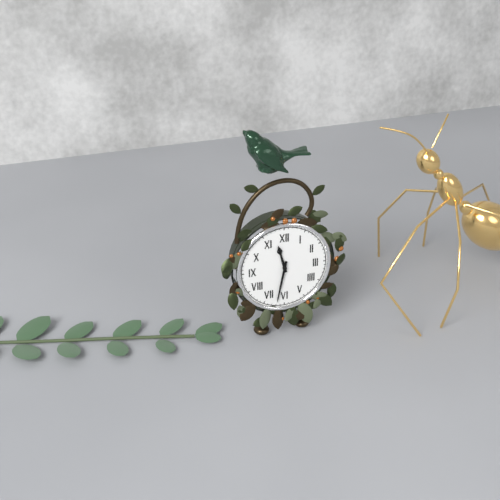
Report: 11:32
